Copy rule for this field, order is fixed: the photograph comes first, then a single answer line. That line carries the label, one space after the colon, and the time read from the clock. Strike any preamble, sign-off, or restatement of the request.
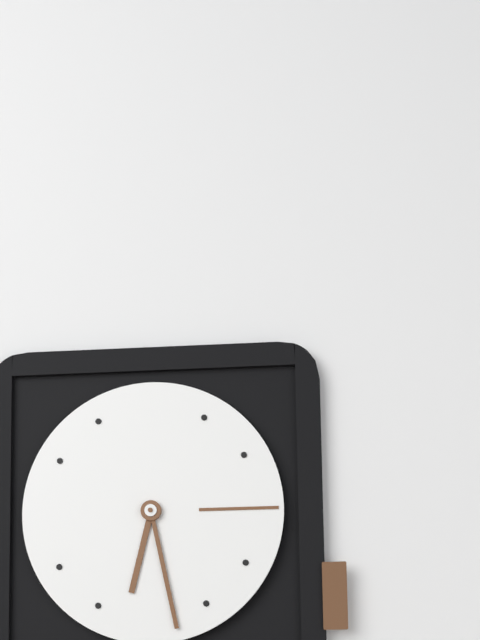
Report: 6:28
